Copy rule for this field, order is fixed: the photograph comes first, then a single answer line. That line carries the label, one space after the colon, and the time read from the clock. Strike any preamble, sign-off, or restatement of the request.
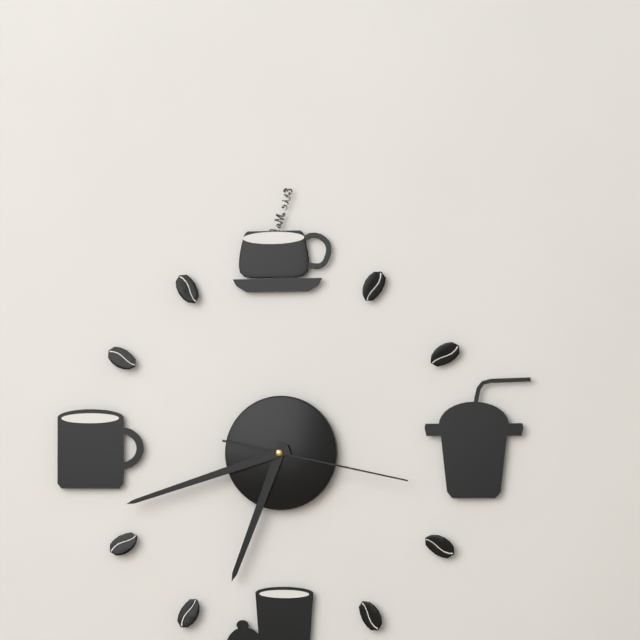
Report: 6:42:17
